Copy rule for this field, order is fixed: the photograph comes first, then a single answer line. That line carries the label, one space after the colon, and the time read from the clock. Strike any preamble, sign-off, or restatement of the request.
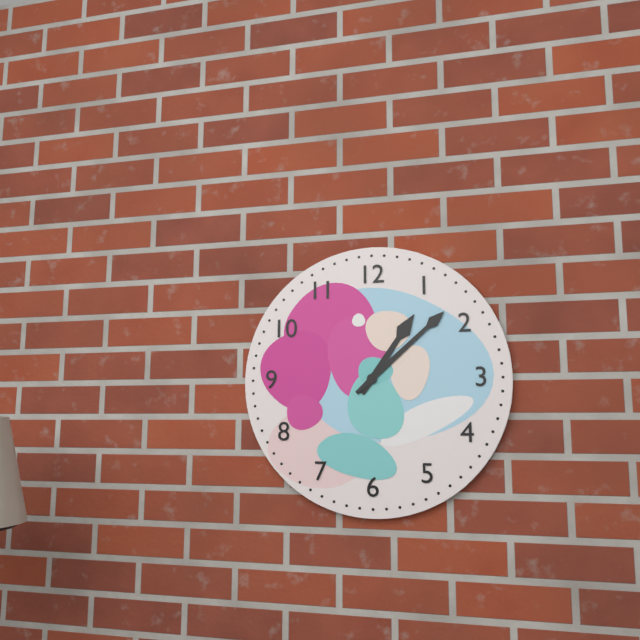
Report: 1:08
